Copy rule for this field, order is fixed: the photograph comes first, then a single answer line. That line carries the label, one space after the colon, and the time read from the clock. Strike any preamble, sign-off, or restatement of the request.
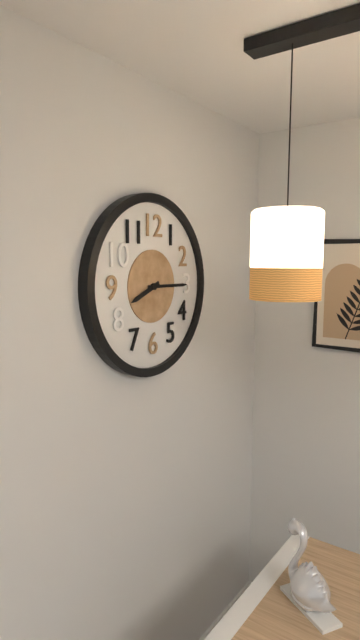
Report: 8:15
